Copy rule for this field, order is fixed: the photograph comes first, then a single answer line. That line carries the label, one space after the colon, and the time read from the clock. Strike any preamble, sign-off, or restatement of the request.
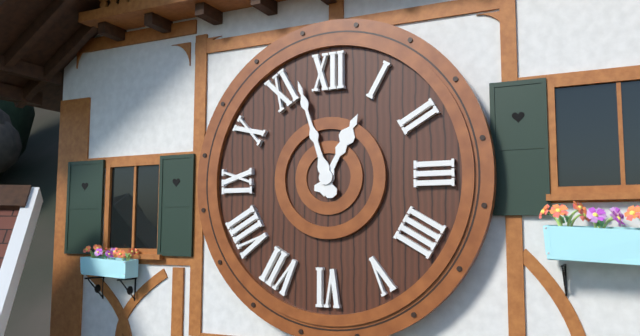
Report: 12:57
